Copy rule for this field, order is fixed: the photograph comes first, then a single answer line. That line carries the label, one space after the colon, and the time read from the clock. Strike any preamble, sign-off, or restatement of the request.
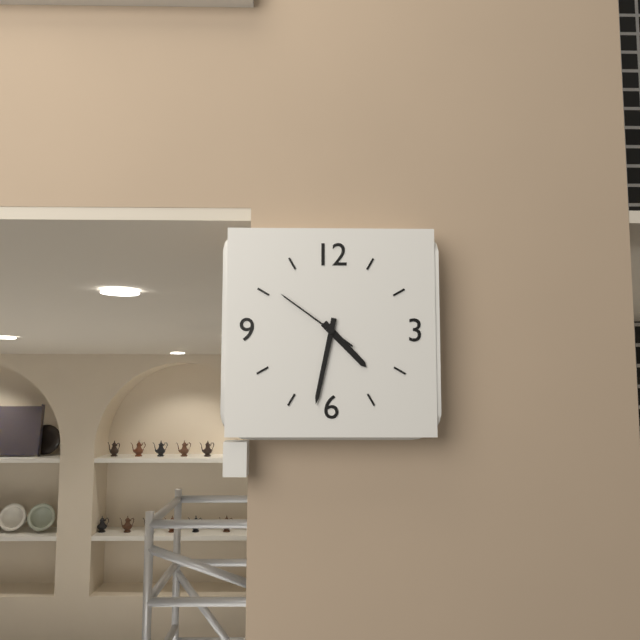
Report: 4:32:51
